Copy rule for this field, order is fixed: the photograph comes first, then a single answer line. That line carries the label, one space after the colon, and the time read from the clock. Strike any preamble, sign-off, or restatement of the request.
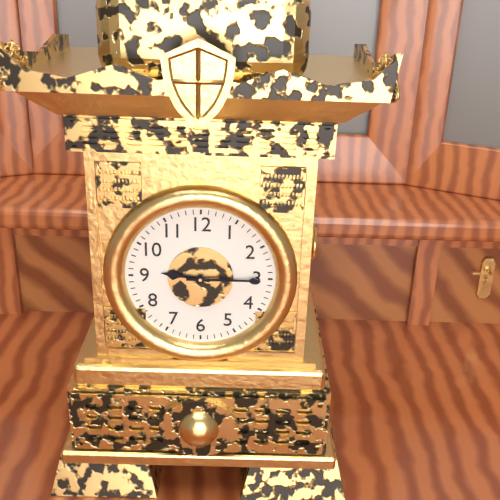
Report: 9:15
